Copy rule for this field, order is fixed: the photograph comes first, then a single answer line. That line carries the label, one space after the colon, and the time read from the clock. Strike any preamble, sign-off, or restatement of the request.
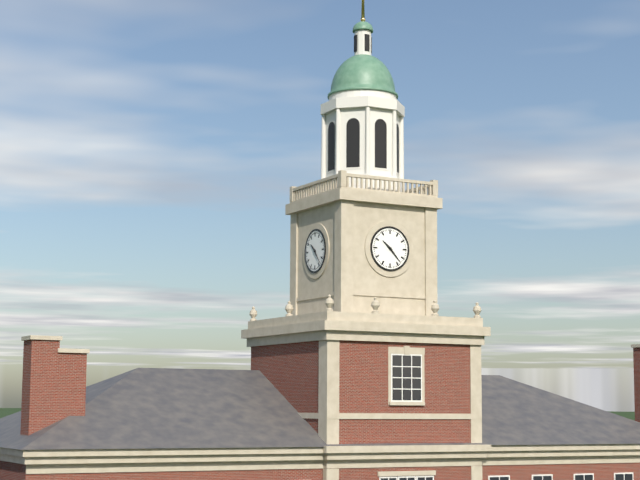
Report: 10:23
